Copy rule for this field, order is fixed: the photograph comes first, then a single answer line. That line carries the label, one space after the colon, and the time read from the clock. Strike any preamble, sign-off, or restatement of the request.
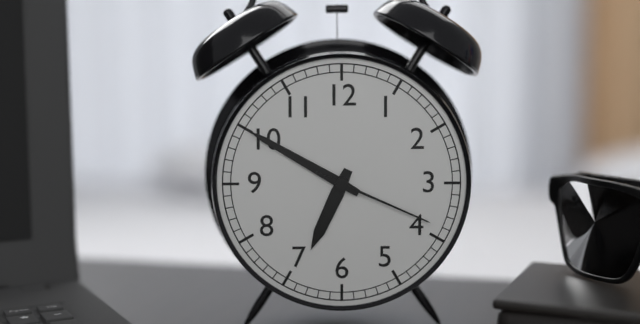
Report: 6:50:19
